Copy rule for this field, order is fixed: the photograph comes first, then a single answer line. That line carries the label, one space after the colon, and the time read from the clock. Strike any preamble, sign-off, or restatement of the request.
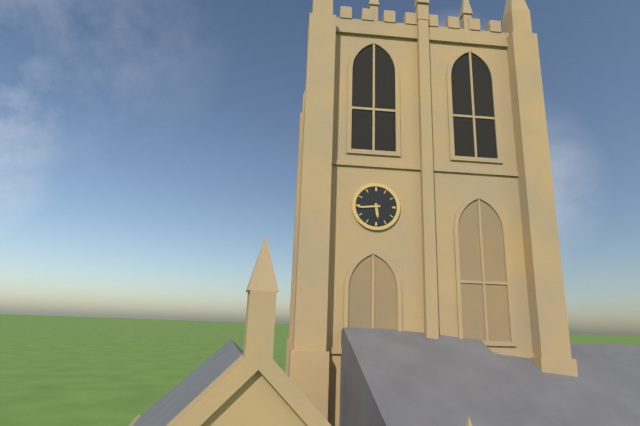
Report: 5:44
